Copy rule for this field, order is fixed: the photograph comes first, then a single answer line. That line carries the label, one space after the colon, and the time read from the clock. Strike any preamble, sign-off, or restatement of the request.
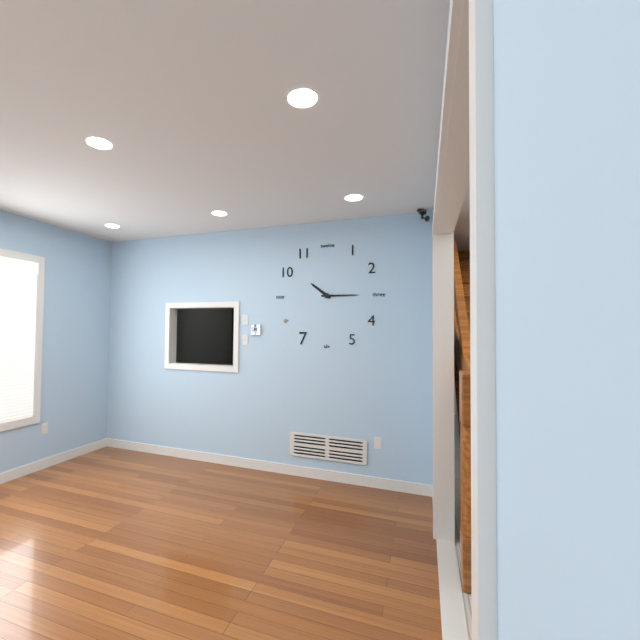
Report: 10:15
